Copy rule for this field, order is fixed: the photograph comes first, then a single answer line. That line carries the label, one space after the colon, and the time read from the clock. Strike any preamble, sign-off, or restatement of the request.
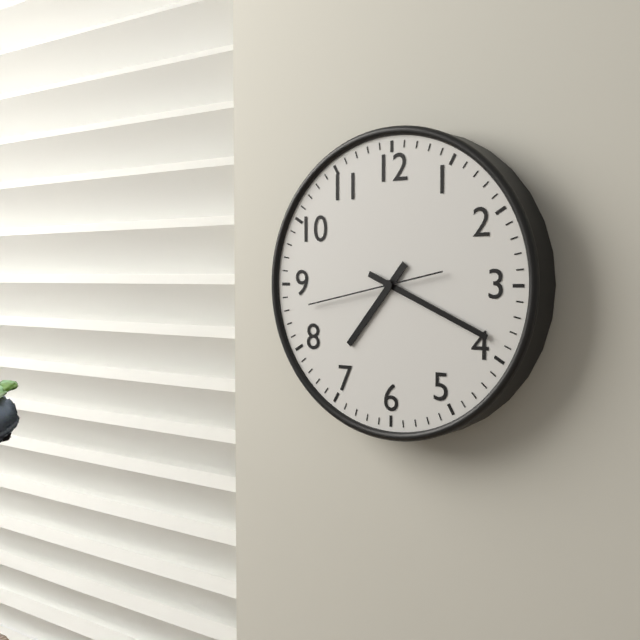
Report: 7:19:43
